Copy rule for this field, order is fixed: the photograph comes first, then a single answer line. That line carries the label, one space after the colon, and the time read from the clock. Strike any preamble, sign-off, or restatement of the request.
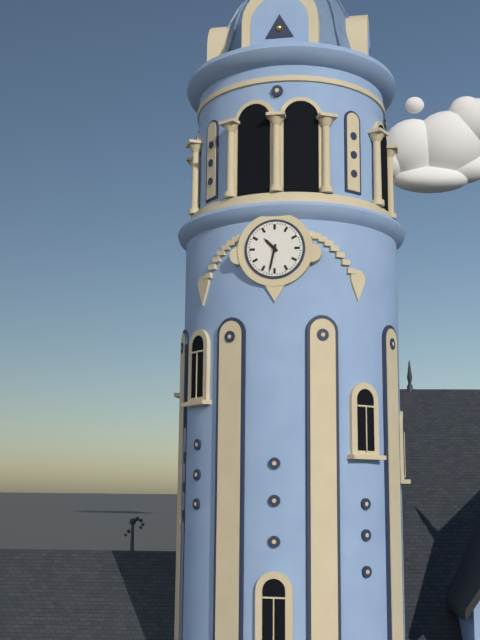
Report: 10:32
